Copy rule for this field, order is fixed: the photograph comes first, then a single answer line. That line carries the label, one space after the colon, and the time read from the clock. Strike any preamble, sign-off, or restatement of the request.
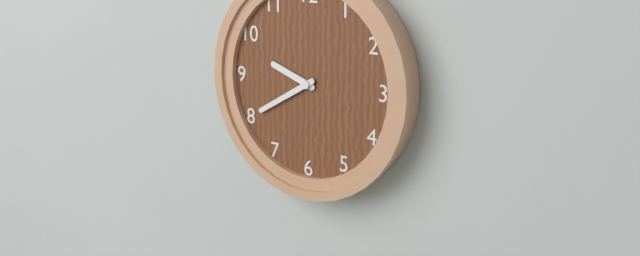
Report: 9:40
